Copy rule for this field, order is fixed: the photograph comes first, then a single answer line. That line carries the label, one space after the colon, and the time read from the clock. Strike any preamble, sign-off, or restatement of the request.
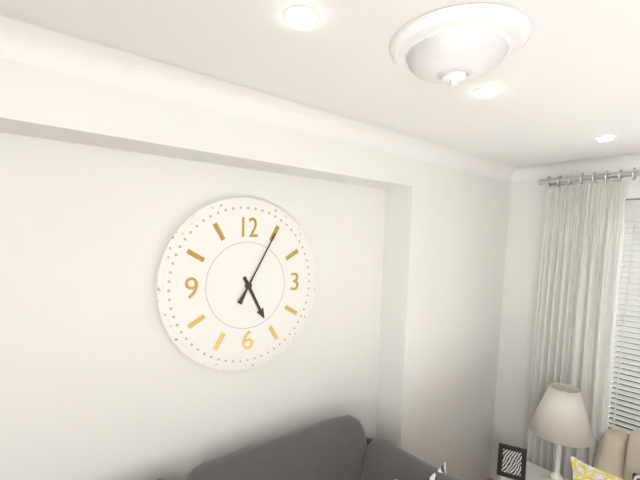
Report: 5:05
